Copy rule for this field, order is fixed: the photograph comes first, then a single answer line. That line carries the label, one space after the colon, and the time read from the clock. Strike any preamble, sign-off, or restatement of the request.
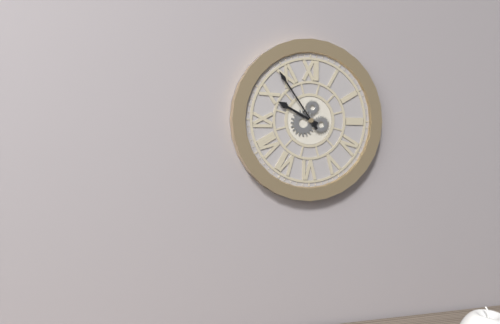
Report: 9:54
